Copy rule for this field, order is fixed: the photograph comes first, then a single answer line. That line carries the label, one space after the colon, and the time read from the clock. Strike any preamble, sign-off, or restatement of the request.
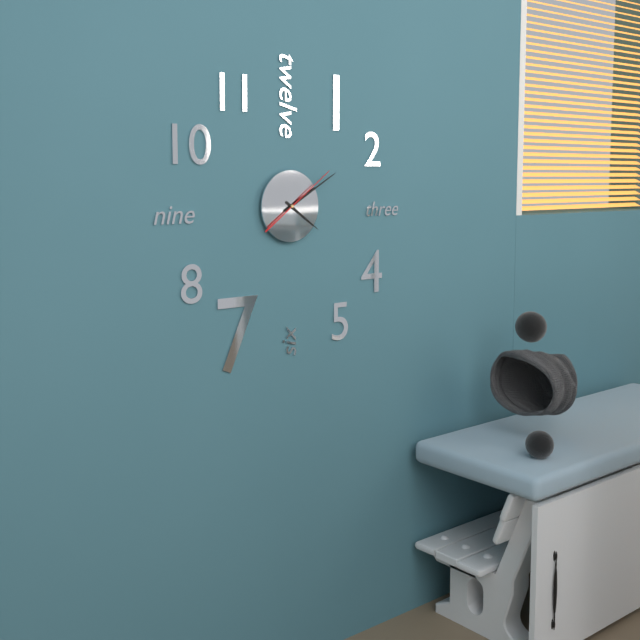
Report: 4:10:09
